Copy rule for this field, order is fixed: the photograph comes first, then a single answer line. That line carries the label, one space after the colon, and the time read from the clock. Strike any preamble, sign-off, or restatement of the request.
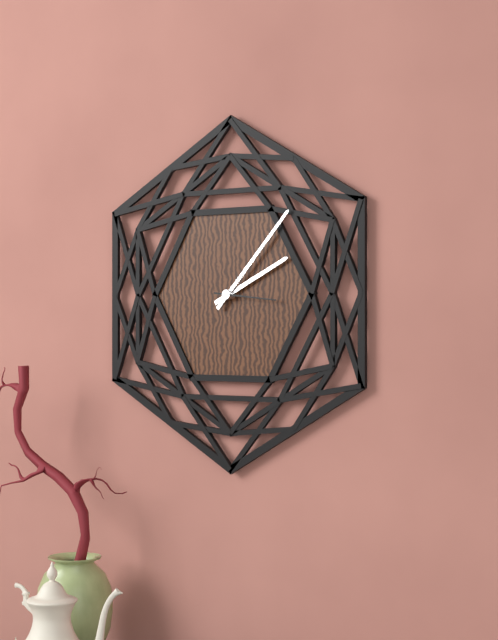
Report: 2:07:16
